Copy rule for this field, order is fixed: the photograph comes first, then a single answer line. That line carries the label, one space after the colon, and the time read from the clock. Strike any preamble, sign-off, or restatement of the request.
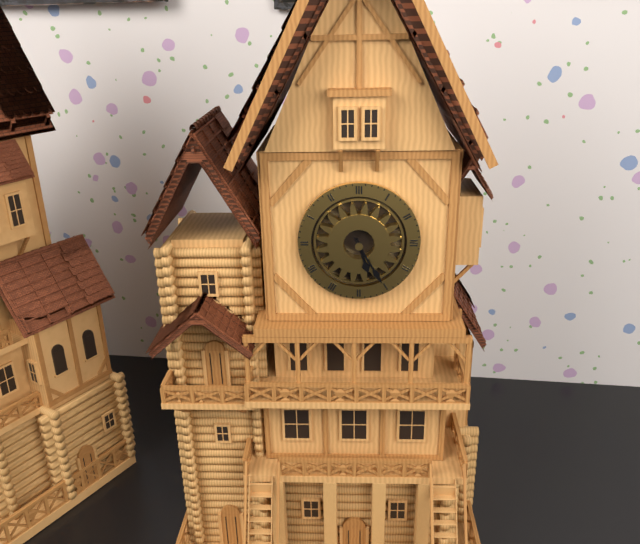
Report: 5:25
